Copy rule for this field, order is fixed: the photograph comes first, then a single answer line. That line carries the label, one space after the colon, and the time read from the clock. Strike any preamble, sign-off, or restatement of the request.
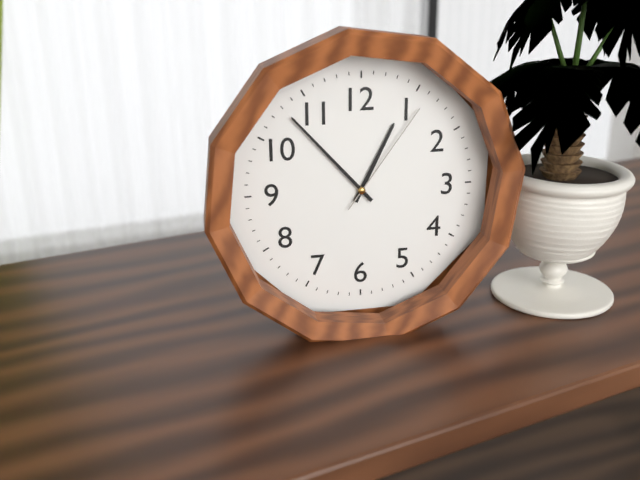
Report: 12:53:06
